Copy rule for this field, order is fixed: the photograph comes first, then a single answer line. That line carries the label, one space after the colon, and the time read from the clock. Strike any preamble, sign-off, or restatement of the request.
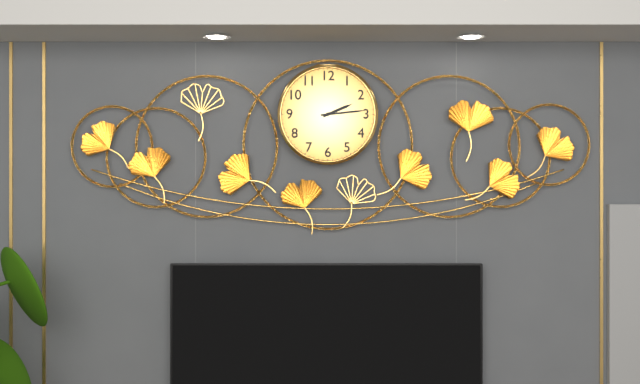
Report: 2:14
